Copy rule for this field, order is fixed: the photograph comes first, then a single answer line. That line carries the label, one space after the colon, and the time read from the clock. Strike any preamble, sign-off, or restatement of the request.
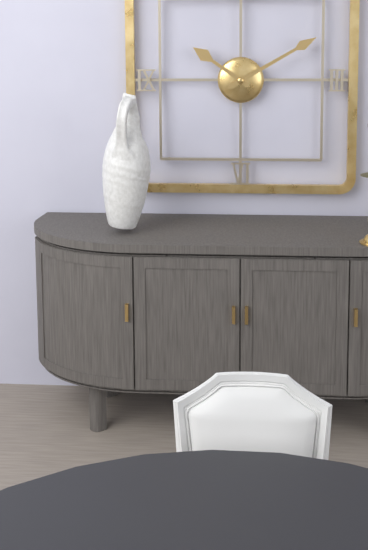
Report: 10:10
